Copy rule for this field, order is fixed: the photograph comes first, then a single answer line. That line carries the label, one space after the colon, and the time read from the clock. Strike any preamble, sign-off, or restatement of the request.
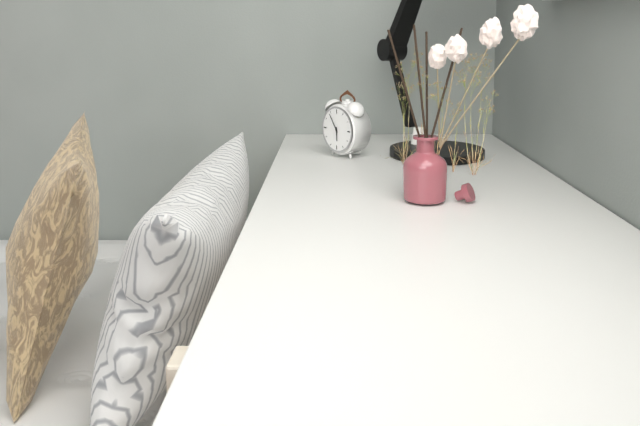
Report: 5:54
